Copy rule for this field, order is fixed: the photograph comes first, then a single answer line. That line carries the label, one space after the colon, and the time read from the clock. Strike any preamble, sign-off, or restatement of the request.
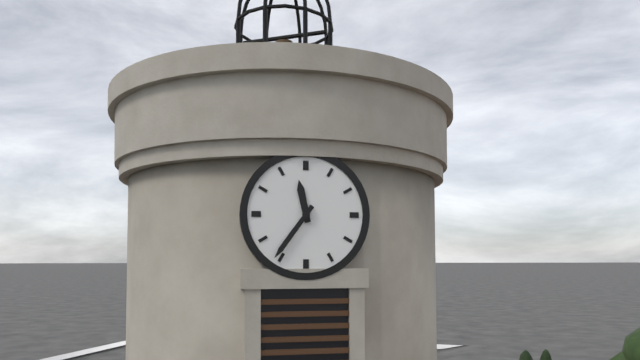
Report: 11:36
